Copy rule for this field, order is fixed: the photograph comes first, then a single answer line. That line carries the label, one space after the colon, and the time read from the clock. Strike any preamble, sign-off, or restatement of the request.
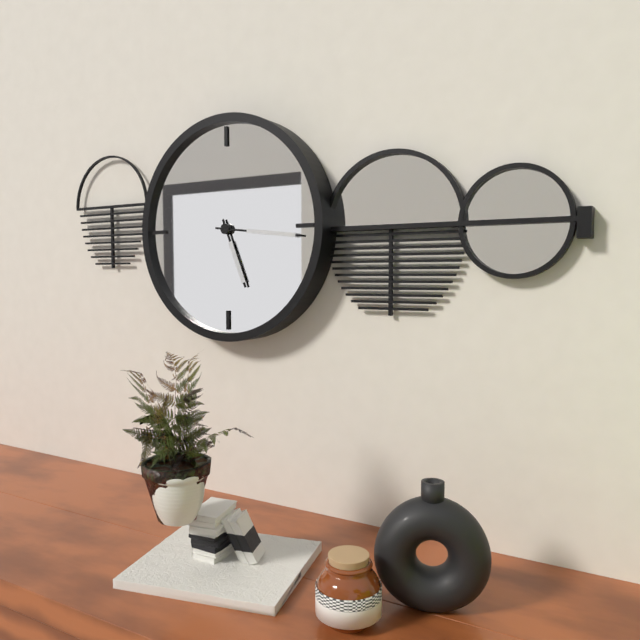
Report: 5:16
